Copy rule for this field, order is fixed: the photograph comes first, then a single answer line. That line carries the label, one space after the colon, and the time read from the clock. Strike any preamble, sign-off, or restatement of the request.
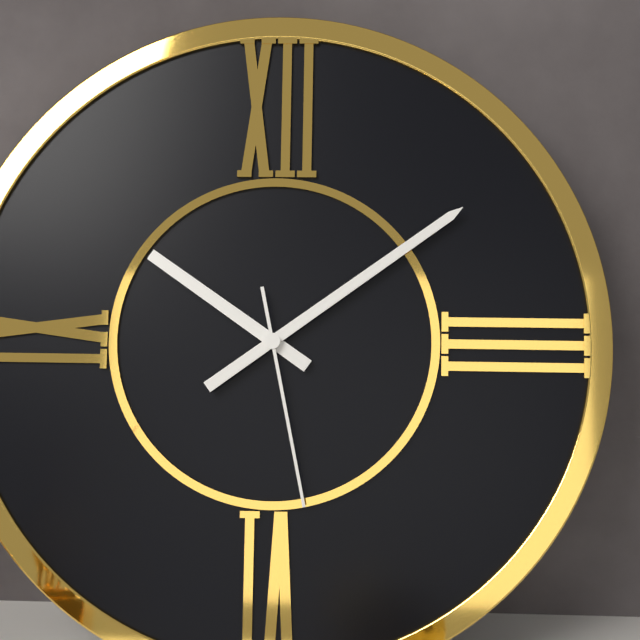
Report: 10:09:28
